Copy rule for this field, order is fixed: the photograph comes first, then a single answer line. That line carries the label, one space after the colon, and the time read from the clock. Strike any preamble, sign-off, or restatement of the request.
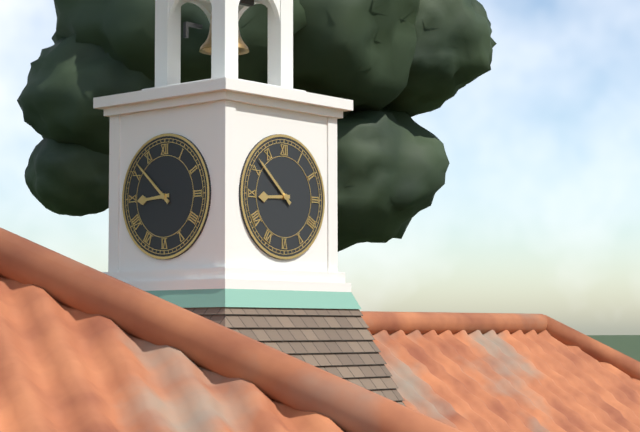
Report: 8:52
